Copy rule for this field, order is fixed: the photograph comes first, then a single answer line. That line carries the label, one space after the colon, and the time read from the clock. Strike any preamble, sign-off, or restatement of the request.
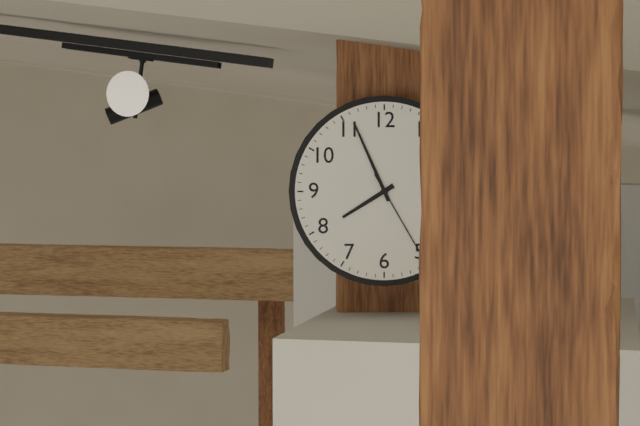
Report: 7:56:25
